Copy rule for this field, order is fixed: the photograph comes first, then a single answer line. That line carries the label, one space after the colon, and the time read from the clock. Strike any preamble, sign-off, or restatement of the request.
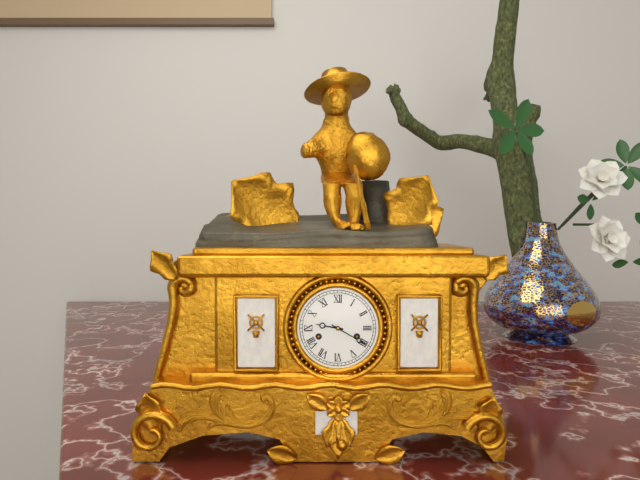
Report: 9:20
